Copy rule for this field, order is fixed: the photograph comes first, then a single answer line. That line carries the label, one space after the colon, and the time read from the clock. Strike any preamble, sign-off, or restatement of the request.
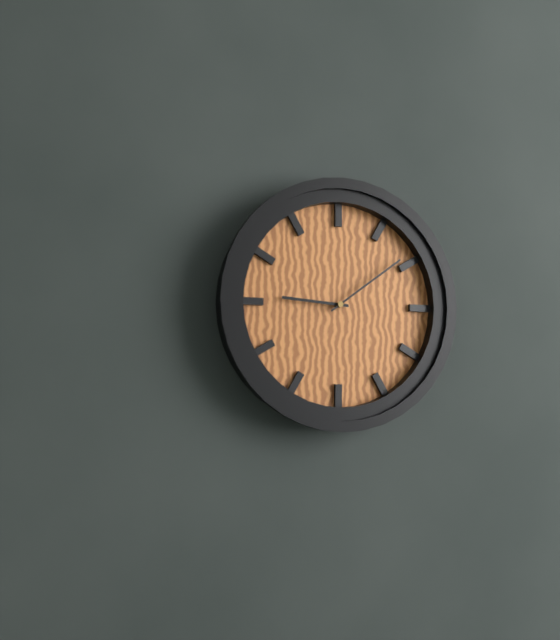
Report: 9:09
